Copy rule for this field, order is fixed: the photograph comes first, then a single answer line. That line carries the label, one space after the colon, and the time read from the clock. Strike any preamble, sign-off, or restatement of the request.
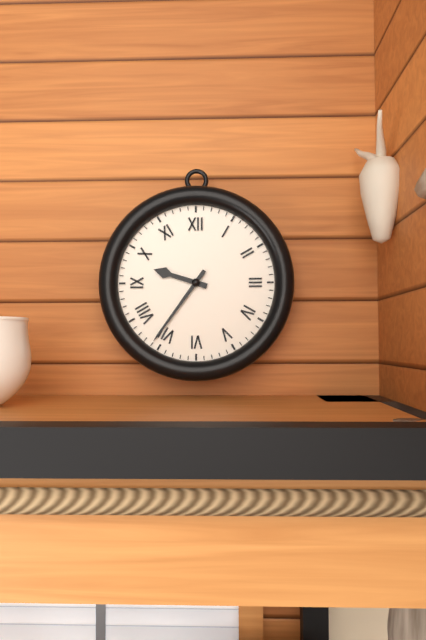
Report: 9:36
